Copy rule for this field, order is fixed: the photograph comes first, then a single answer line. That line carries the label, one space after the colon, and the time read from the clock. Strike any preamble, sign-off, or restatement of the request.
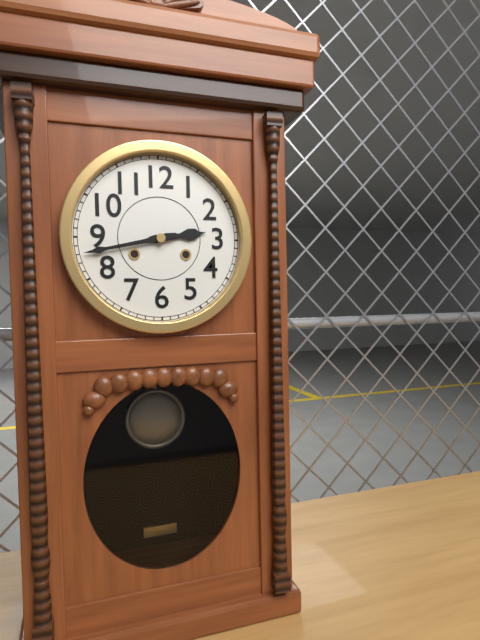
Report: 2:43
